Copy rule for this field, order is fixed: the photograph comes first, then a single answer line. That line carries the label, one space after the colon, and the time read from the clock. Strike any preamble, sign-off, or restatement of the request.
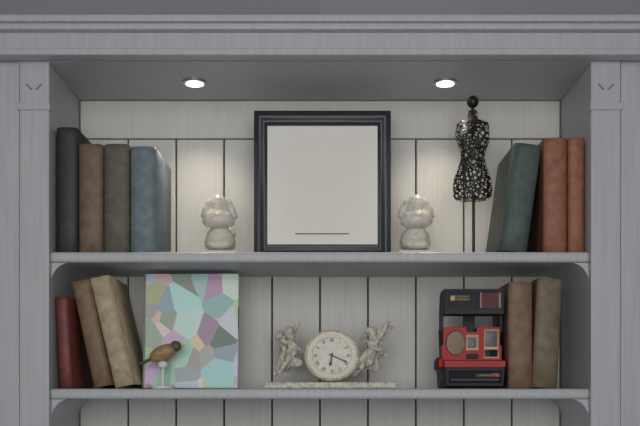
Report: 6:19
